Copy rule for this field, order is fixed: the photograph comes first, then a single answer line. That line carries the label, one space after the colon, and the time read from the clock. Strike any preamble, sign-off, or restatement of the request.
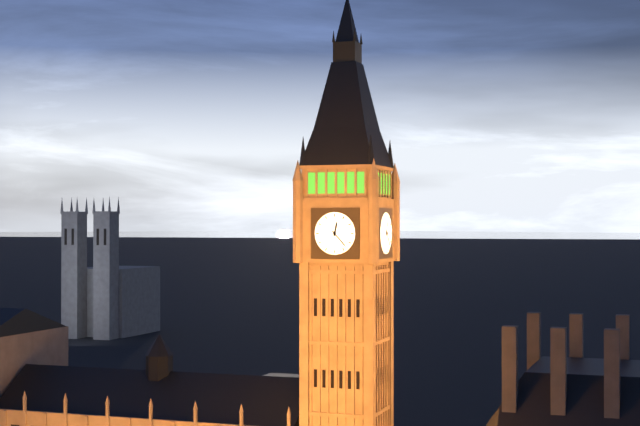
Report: 12:23
